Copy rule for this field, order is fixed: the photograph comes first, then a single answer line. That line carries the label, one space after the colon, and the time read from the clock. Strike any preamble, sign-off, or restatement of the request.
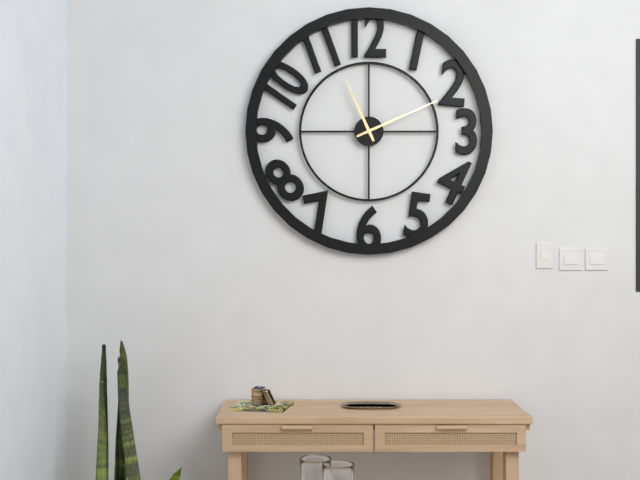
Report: 11:11
